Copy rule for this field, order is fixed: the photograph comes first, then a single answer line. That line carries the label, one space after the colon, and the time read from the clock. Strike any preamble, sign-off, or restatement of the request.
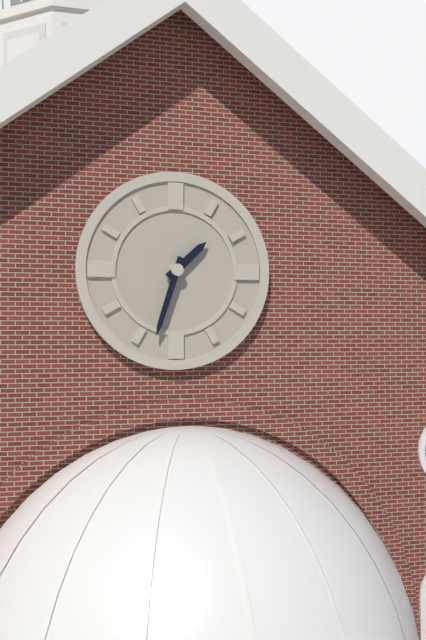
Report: 1:33
